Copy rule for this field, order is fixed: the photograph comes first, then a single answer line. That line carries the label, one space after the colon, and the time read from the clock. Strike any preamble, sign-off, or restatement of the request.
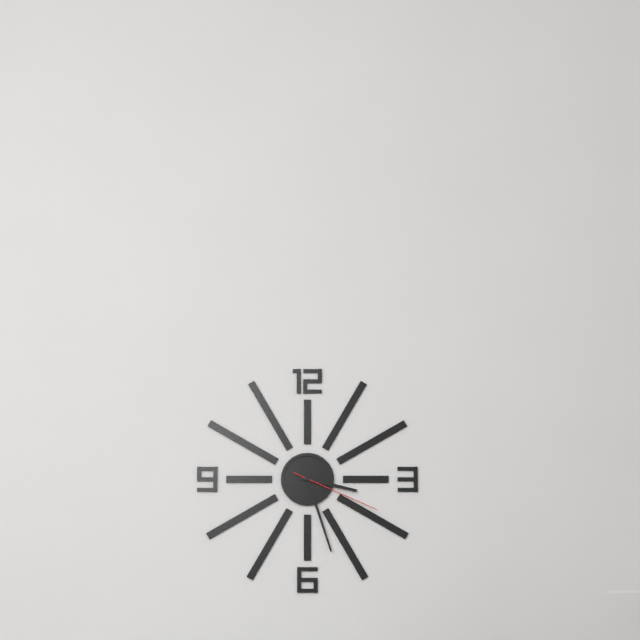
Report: 3:27:19
